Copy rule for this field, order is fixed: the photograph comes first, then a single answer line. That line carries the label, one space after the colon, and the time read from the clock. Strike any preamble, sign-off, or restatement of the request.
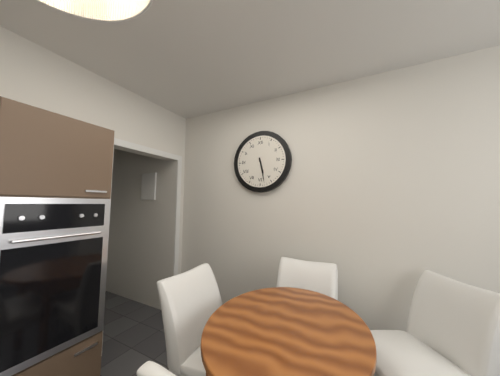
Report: 5:28
